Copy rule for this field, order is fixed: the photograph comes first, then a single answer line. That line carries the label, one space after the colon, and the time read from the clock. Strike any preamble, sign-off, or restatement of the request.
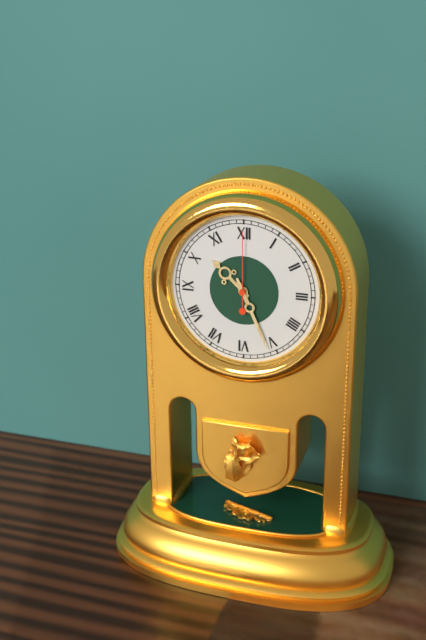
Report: 10:26:00
